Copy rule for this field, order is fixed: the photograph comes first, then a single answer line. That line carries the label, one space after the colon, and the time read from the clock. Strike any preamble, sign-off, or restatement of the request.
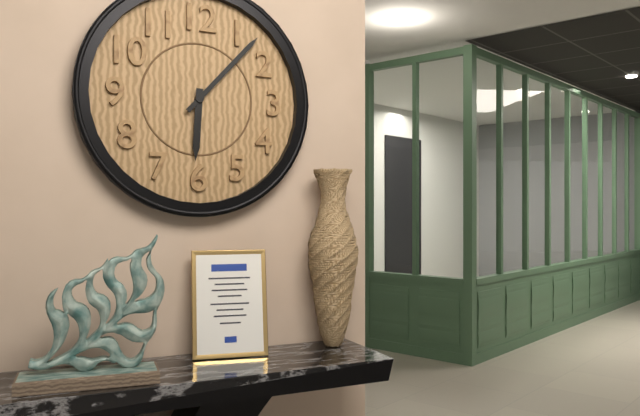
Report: 6:07
